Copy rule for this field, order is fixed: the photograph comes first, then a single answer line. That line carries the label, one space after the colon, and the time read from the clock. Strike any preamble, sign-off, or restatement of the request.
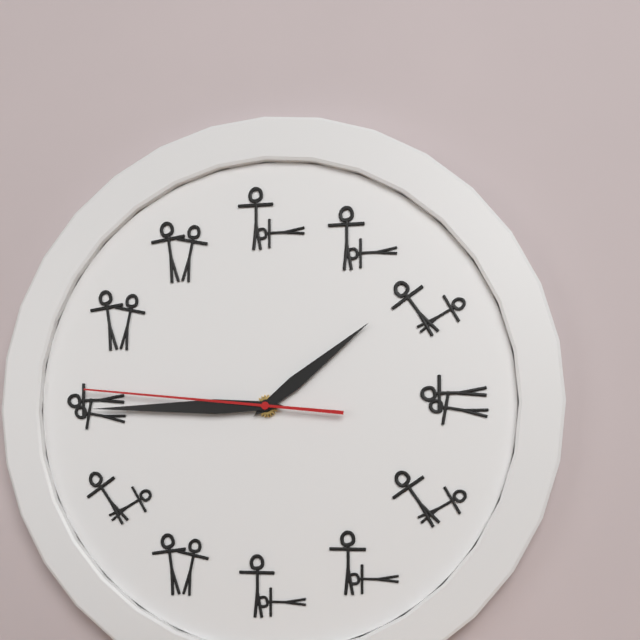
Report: 1:45:46
